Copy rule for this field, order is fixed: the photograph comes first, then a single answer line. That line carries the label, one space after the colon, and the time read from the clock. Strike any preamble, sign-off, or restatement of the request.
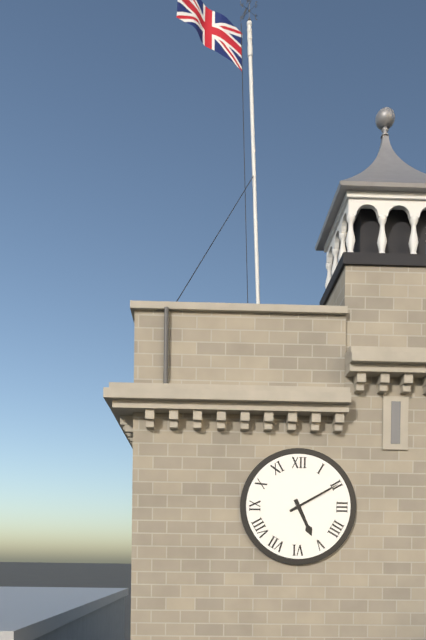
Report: 5:10
